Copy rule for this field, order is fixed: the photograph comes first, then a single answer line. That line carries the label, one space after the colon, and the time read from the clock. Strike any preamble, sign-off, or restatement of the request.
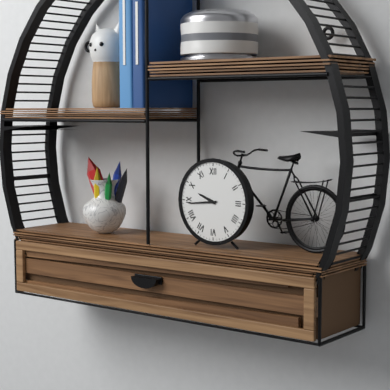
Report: 9:44
